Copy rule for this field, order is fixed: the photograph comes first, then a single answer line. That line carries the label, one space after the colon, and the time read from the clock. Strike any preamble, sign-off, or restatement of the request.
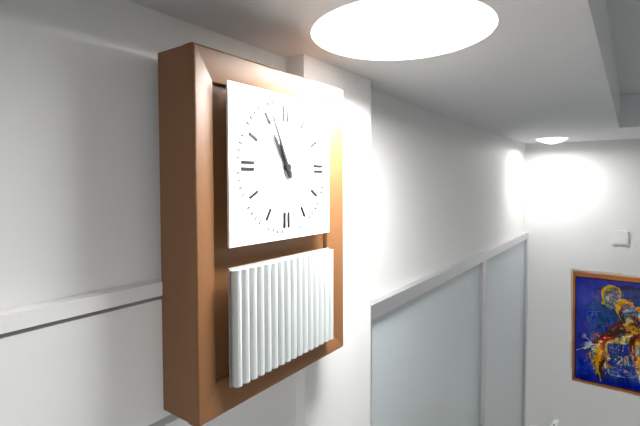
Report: 10:56
